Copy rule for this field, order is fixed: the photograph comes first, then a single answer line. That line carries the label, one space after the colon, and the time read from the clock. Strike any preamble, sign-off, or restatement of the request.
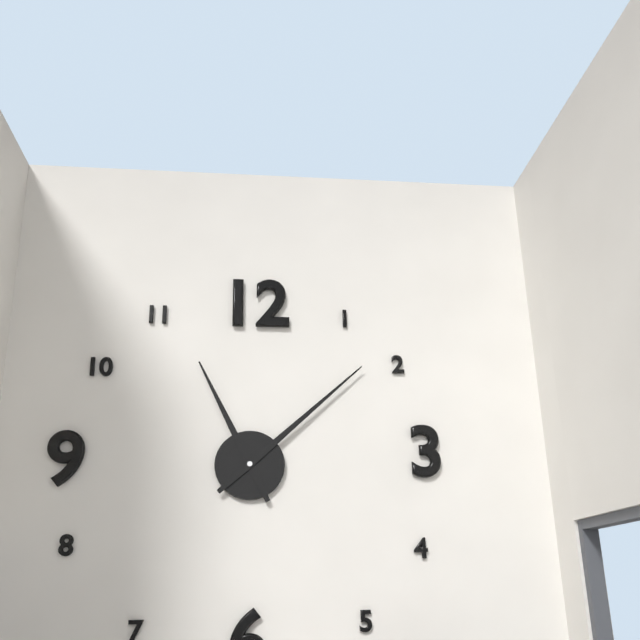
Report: 11:08
